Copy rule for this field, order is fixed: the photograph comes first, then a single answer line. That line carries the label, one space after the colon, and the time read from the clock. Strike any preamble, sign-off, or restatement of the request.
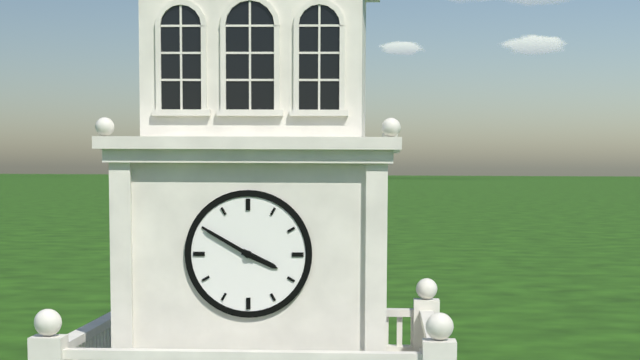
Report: 3:50
